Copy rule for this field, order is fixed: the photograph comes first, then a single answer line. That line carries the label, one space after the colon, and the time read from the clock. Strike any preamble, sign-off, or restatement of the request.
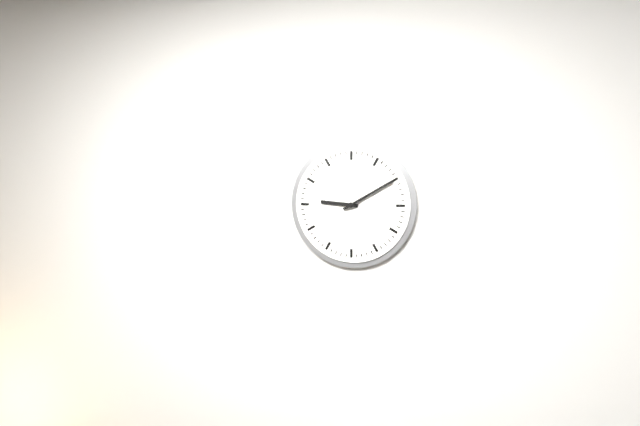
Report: 9:10
